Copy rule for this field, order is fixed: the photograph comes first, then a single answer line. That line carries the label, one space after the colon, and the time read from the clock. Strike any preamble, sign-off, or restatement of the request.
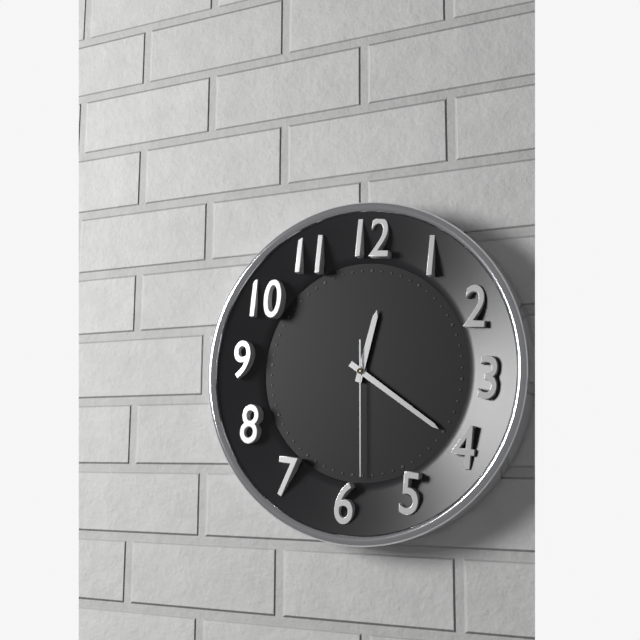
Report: 12:20:29
